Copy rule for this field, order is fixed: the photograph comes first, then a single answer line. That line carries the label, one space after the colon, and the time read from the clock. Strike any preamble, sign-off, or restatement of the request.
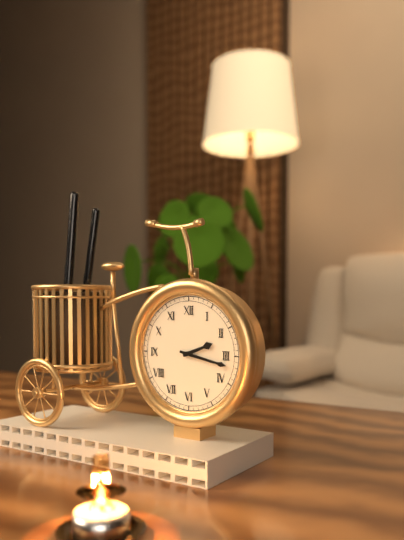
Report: 2:17
